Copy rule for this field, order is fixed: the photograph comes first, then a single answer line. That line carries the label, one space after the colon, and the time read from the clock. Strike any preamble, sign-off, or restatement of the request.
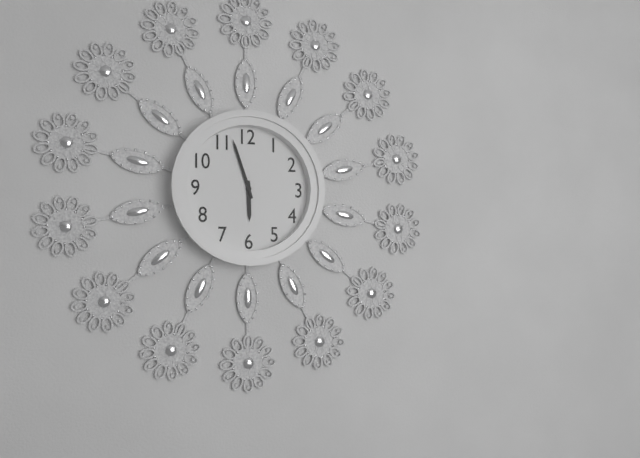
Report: 5:57
